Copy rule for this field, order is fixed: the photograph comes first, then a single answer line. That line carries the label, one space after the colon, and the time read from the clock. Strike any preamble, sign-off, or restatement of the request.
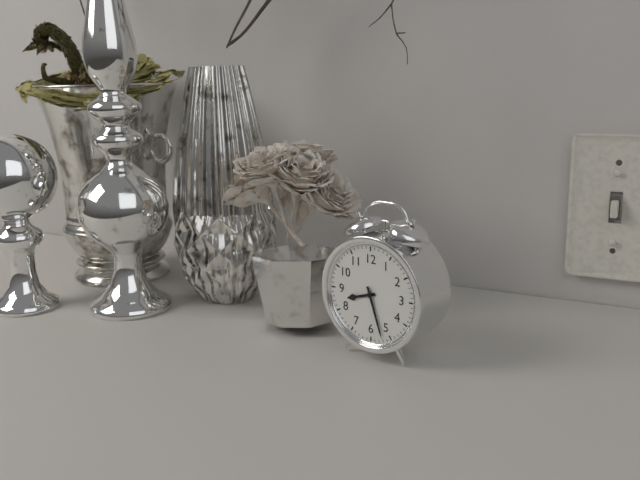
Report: 8:27
